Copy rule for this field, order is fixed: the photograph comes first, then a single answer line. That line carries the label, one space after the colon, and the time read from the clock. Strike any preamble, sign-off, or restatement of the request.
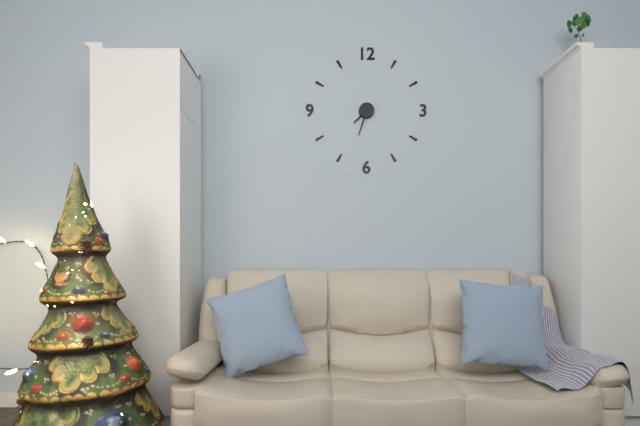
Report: 7:33
